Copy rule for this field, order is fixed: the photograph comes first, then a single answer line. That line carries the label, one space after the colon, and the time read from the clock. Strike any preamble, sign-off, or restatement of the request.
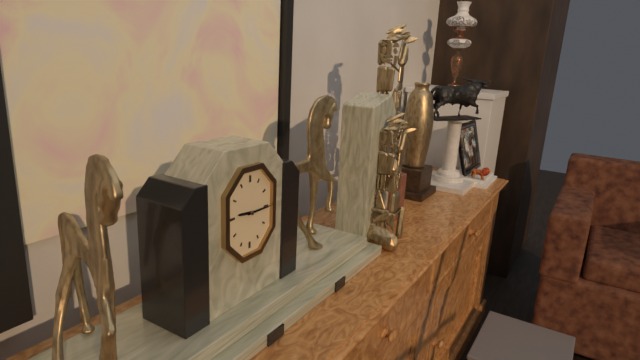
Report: 9:15
